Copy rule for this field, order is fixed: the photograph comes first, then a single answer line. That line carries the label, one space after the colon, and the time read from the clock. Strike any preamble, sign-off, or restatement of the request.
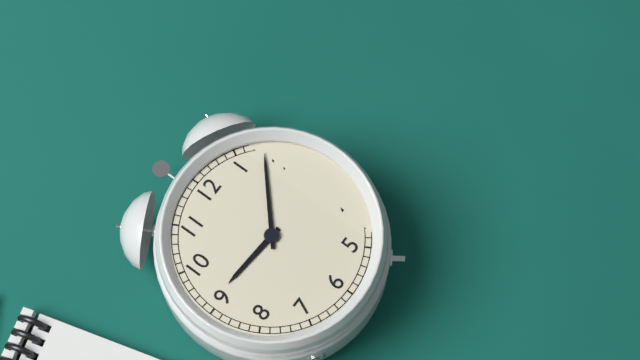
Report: 9:08
